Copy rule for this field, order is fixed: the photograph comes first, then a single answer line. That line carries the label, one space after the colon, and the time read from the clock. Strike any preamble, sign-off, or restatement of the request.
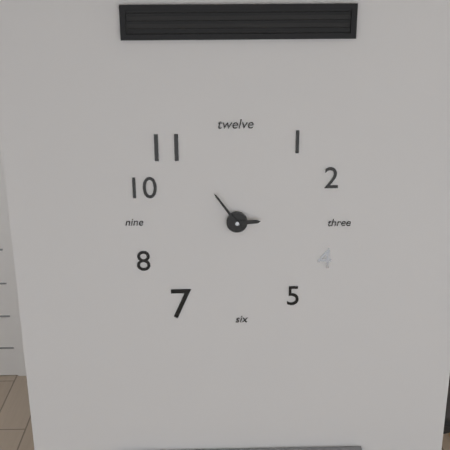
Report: 2:54
